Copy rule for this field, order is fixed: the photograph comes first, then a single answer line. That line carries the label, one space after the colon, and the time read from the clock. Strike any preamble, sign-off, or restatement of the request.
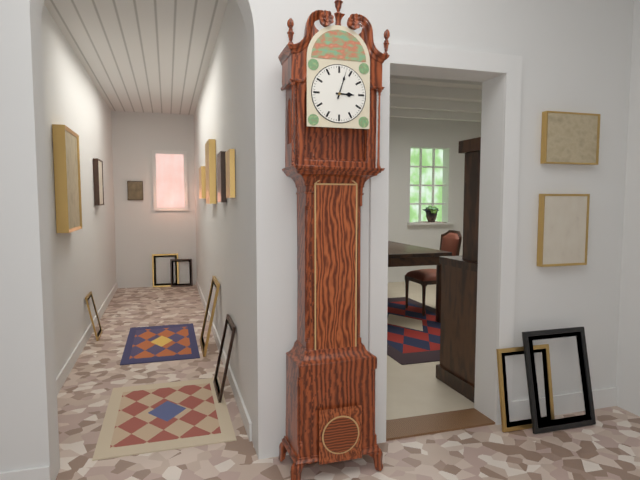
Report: 3:03
